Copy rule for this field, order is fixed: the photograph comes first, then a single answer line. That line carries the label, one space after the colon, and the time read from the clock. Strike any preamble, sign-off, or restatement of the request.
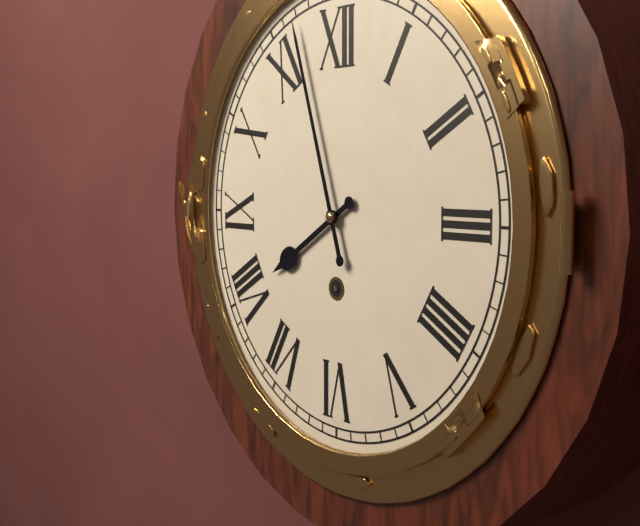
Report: 7:57
